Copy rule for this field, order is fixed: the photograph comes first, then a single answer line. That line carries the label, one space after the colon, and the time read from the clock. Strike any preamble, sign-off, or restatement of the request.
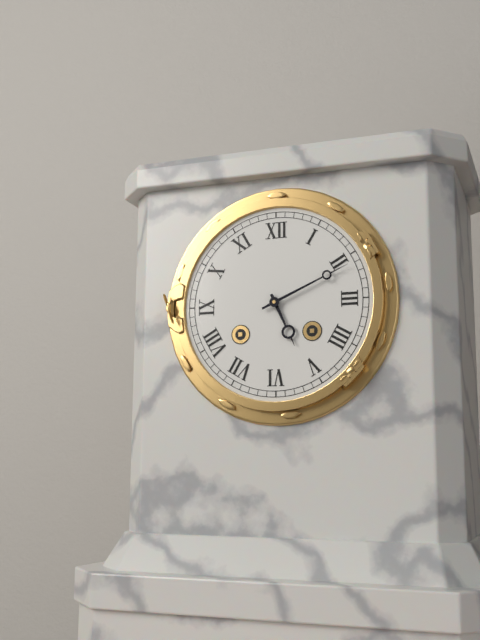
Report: 5:11
